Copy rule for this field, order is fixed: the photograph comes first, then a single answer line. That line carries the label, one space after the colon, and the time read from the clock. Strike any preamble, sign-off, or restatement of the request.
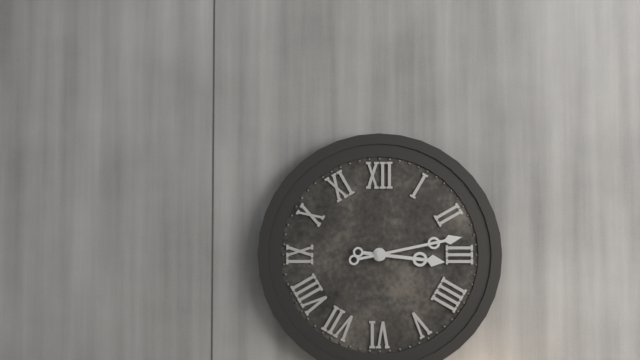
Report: 3:13
